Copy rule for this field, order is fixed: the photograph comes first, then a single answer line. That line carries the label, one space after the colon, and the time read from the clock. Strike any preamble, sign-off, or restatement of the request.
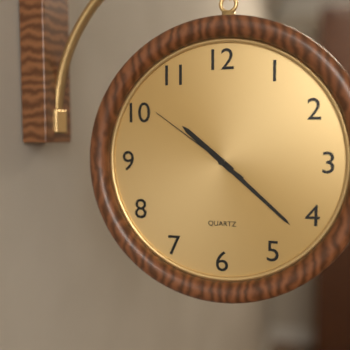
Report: 10:22:51
